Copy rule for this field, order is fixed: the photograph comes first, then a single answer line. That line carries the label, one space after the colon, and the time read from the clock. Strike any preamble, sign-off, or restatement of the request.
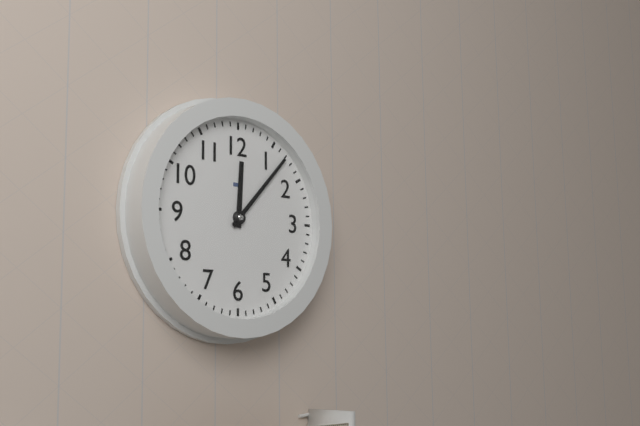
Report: 12:07
